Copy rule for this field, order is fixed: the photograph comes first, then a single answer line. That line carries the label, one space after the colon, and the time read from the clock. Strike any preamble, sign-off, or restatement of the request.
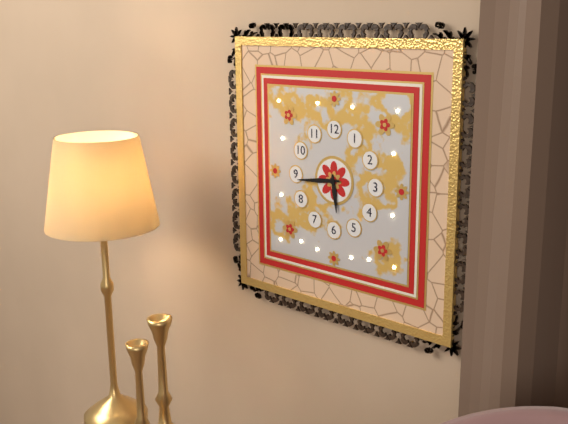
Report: 5:44
